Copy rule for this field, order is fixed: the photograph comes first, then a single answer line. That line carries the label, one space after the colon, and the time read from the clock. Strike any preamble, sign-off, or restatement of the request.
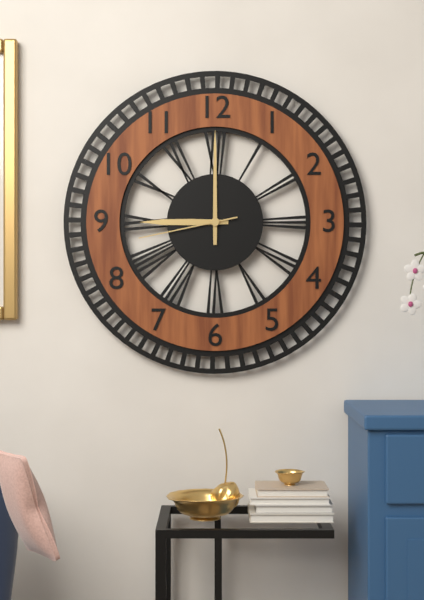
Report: 9:00:43
